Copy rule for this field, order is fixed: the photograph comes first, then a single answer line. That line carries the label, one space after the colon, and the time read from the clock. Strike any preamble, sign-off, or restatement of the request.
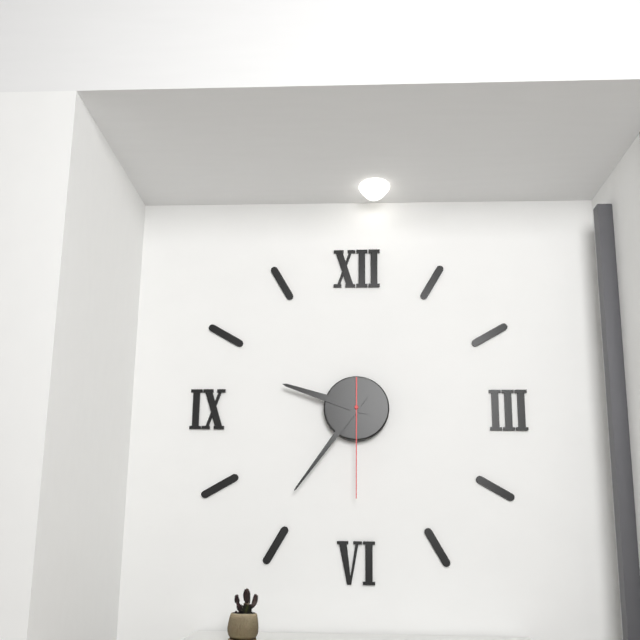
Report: 9:36:30
